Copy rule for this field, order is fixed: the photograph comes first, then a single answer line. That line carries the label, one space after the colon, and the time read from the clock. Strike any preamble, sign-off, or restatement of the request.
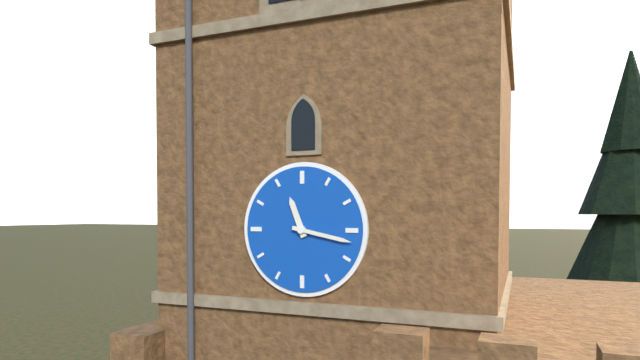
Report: 11:17
